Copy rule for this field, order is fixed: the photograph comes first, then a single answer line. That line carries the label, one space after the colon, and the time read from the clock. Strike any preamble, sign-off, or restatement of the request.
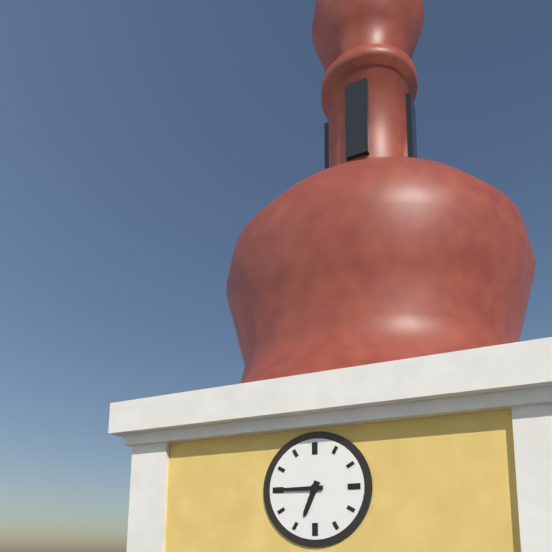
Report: 6:45
